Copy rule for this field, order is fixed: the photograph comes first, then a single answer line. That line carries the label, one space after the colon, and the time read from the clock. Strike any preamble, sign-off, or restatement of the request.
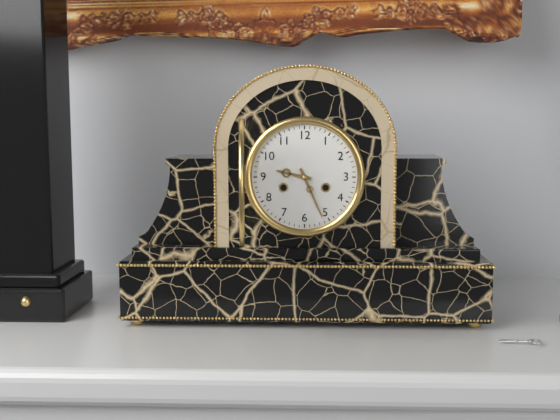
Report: 9:26
